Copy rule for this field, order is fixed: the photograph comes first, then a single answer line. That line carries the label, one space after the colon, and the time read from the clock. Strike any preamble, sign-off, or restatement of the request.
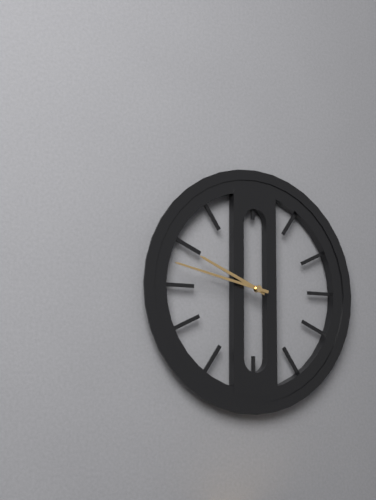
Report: 9:47
